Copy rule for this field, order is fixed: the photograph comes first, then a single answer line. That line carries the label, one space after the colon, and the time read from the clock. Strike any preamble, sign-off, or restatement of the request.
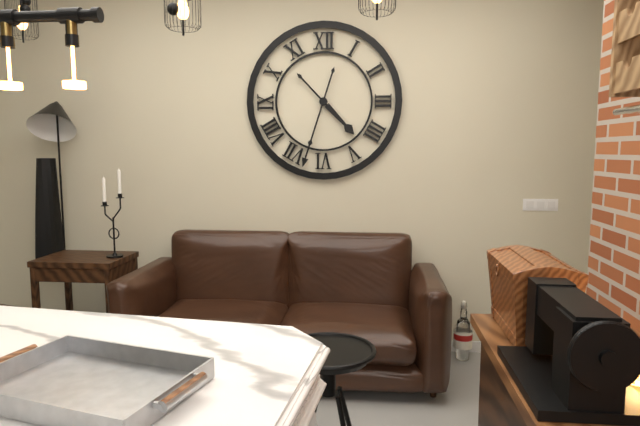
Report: 4:33
